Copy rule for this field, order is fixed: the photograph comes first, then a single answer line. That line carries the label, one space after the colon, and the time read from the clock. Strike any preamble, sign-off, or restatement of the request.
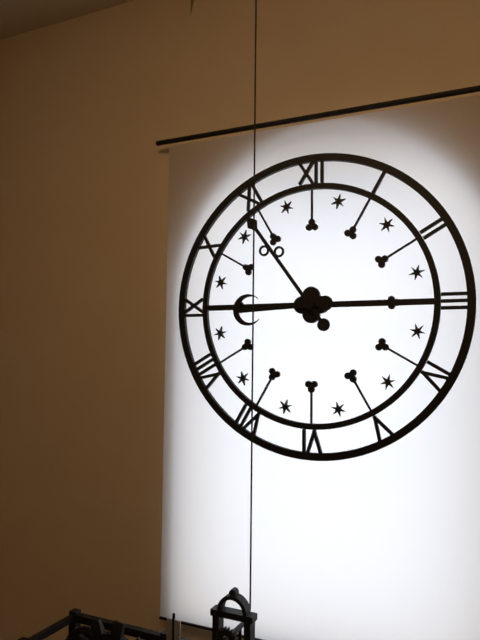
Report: 8:54
